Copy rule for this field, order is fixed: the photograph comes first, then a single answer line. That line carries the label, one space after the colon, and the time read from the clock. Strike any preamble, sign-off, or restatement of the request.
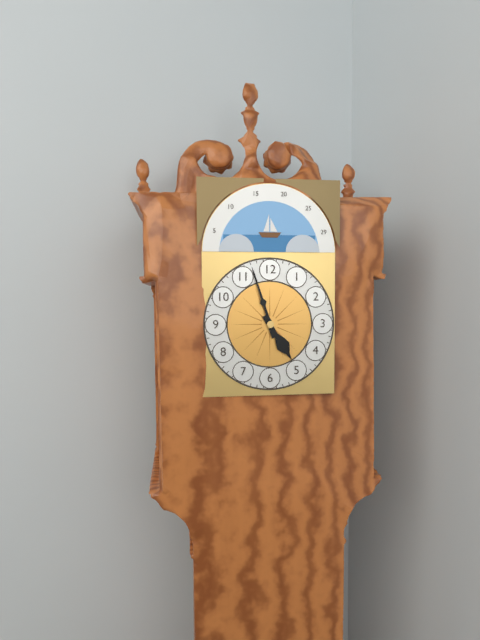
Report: 4:57
